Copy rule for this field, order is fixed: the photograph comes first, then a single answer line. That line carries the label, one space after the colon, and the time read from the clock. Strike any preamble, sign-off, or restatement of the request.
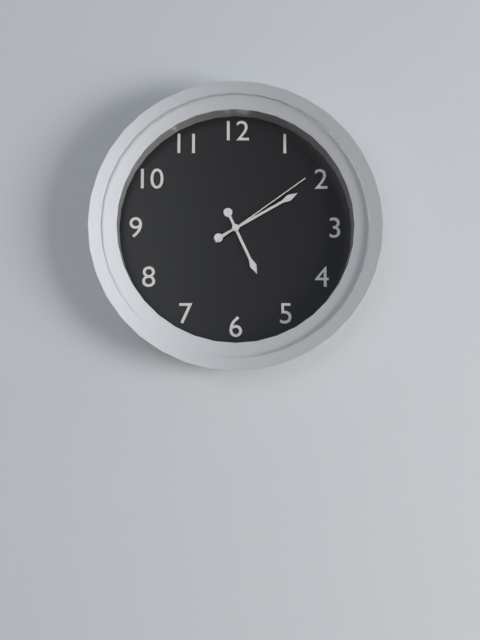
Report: 5:10:09
